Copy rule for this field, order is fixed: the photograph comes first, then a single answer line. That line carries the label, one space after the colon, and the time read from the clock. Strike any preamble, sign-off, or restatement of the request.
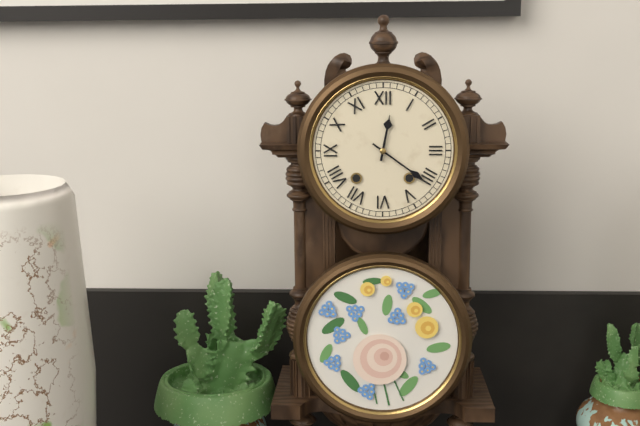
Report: 12:21
